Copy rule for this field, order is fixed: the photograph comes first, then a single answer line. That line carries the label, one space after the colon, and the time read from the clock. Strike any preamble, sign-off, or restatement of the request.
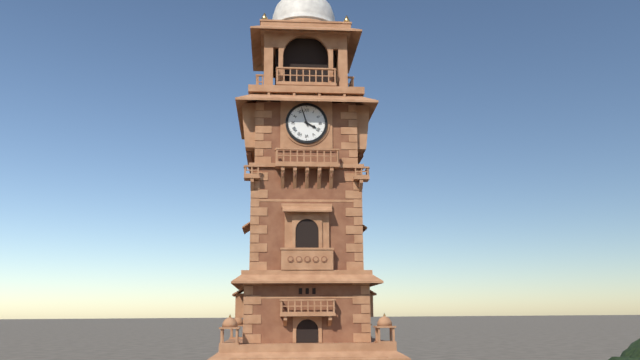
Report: 3:57
